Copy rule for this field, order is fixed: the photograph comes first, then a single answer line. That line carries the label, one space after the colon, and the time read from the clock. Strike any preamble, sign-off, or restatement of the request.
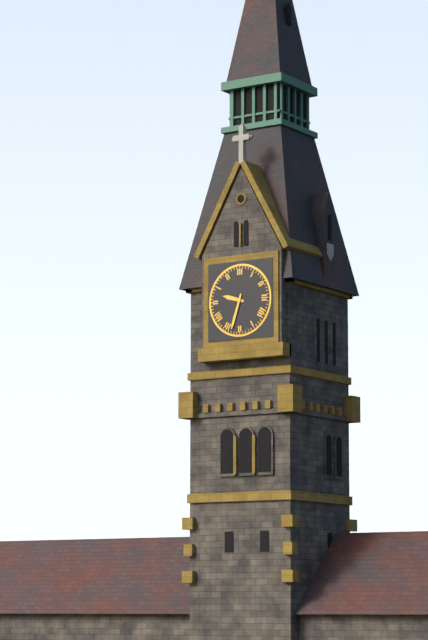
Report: 9:33
